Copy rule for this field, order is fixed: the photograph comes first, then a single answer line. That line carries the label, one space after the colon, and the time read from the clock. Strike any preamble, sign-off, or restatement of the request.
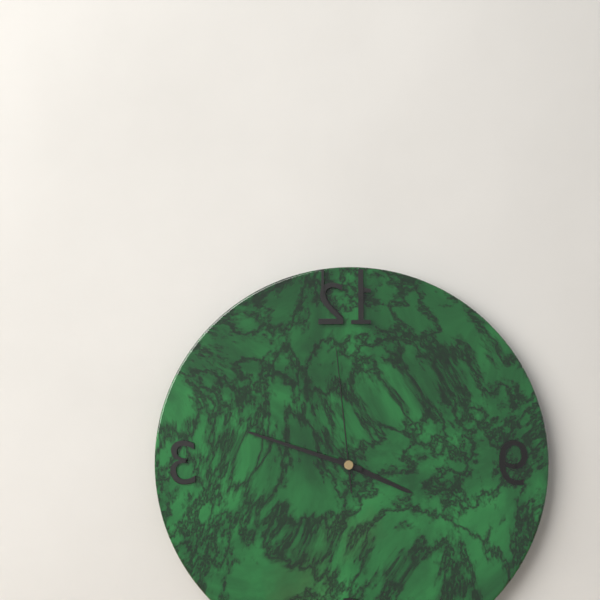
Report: 3:48:59
